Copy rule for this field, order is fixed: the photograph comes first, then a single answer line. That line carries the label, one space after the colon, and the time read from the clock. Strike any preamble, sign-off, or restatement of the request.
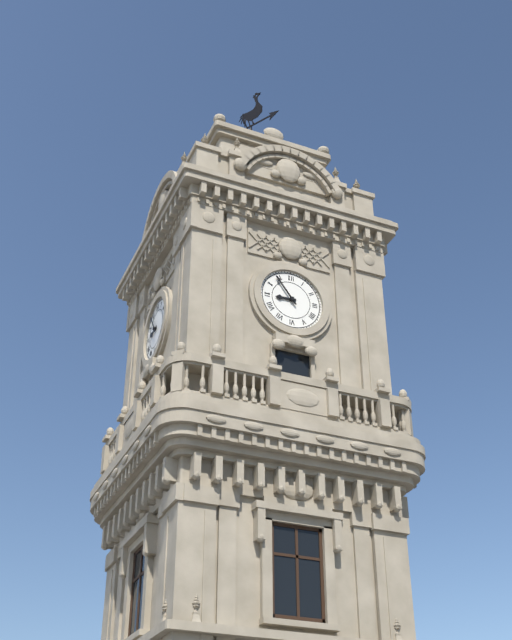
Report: 8:54
